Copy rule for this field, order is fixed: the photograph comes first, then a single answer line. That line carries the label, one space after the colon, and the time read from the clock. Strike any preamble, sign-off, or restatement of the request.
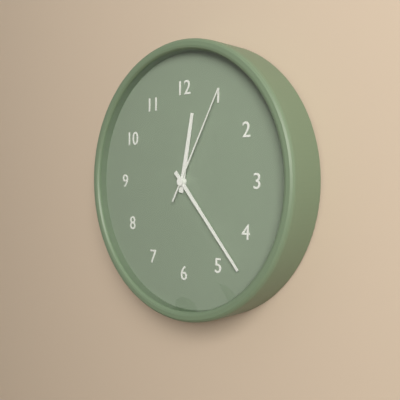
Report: 12:23:05
